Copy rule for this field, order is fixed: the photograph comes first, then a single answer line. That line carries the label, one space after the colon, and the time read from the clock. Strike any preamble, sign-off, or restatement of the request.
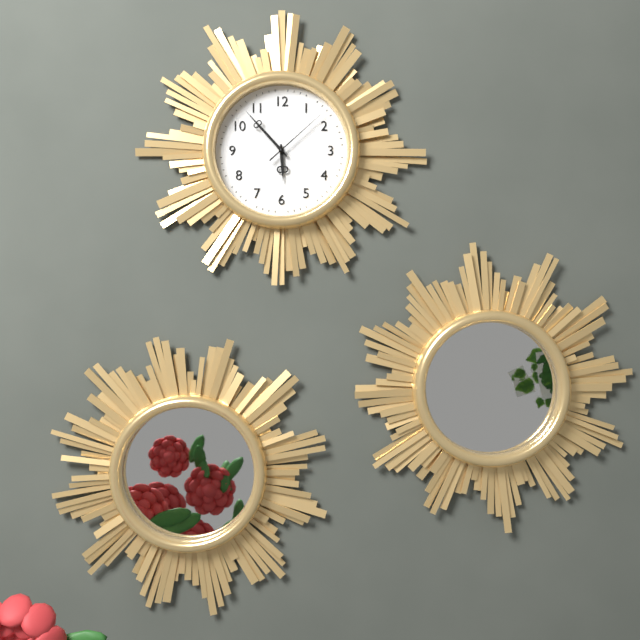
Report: 5:53:08
